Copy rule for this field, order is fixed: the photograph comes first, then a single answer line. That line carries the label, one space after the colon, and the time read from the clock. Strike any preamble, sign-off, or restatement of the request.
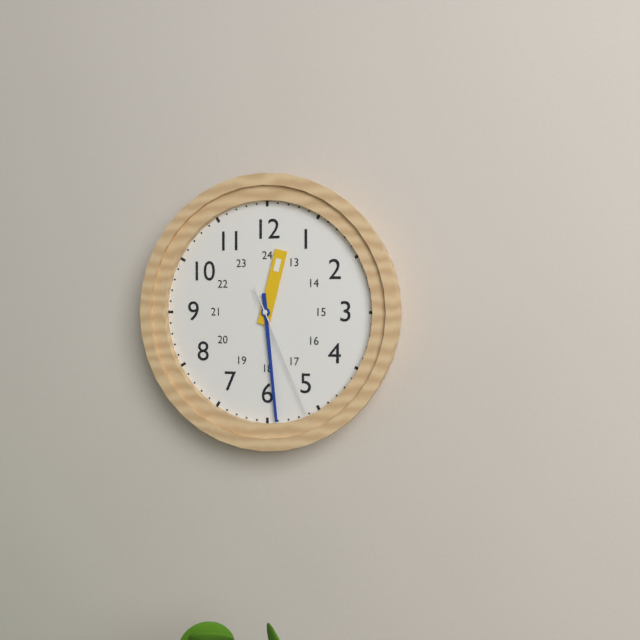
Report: 12:29:26
